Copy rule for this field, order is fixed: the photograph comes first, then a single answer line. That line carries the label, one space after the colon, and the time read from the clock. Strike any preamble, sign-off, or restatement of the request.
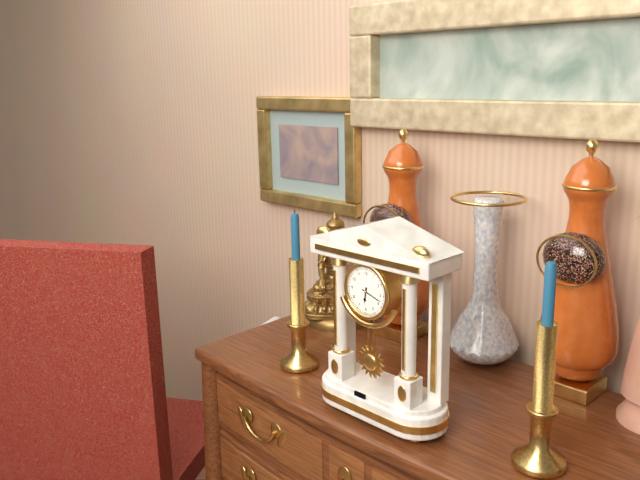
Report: 6:18
